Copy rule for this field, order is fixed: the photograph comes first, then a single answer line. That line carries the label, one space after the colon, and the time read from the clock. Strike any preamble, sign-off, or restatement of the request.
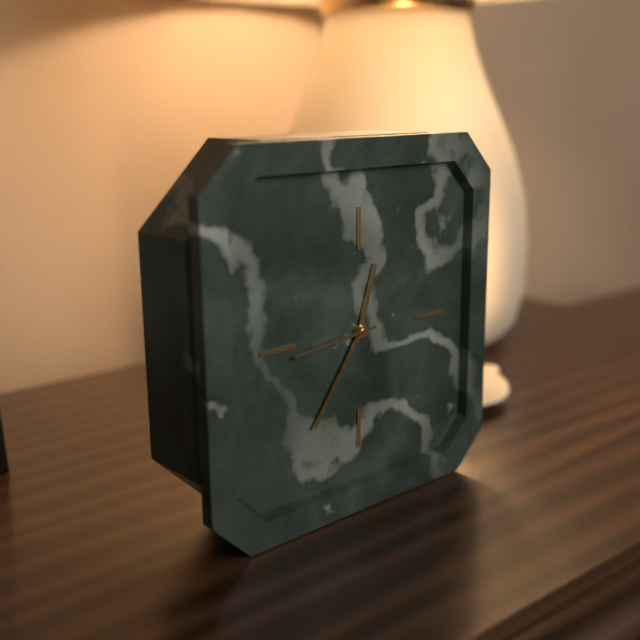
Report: 12:36:44
